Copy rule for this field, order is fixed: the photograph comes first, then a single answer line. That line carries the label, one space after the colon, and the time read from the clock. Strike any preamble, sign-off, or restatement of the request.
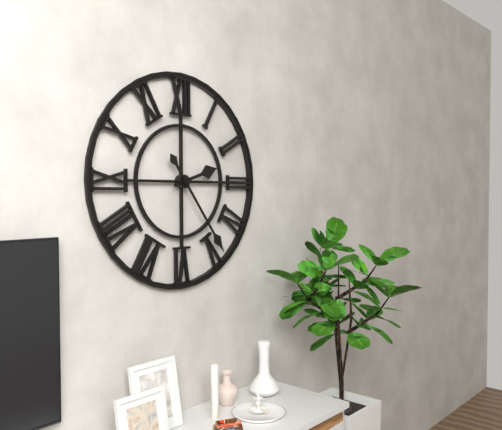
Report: 2:24
